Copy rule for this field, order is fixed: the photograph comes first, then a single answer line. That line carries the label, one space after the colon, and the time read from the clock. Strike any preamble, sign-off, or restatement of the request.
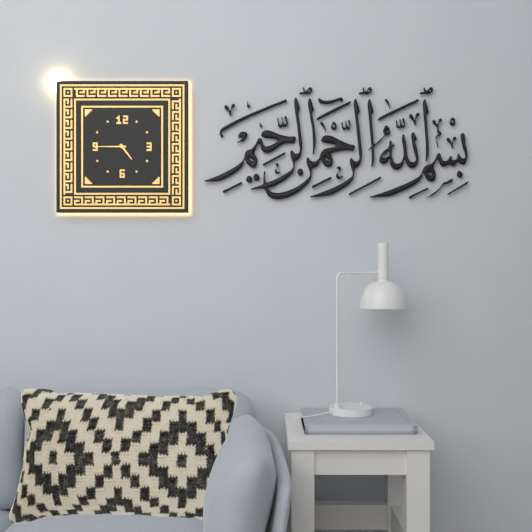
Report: 4:45
